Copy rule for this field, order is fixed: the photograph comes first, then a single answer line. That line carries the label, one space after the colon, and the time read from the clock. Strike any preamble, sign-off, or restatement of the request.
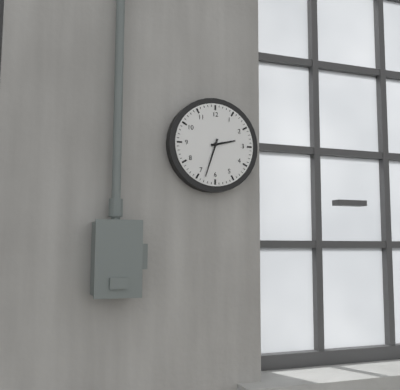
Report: 2:33
